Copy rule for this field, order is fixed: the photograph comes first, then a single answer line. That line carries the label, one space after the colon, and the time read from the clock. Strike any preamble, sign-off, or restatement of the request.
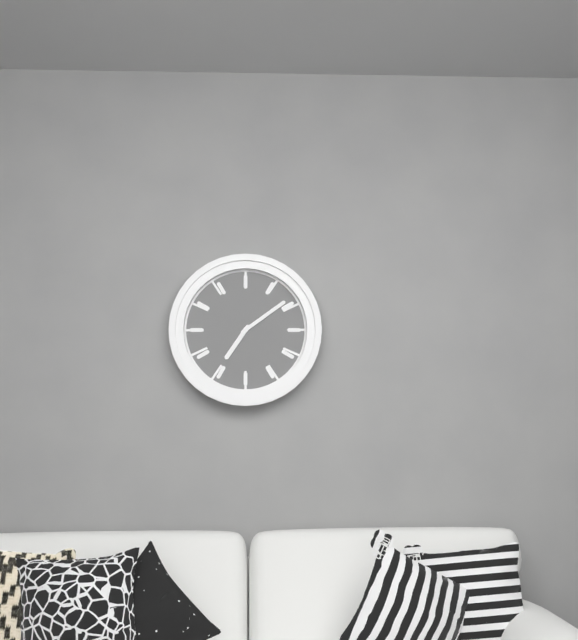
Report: 7:09
